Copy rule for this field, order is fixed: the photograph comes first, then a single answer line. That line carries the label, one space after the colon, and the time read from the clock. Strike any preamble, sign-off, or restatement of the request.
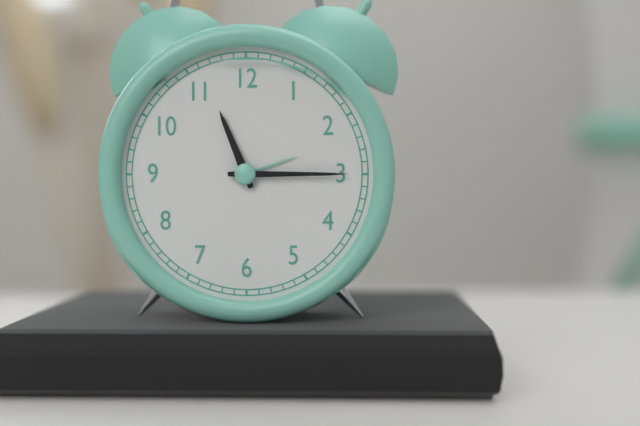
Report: 11:15
